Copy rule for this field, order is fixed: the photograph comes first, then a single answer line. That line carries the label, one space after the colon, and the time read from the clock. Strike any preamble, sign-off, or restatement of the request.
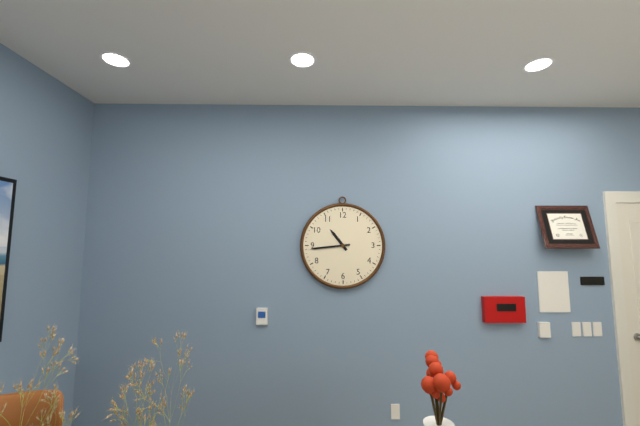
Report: 10:44
